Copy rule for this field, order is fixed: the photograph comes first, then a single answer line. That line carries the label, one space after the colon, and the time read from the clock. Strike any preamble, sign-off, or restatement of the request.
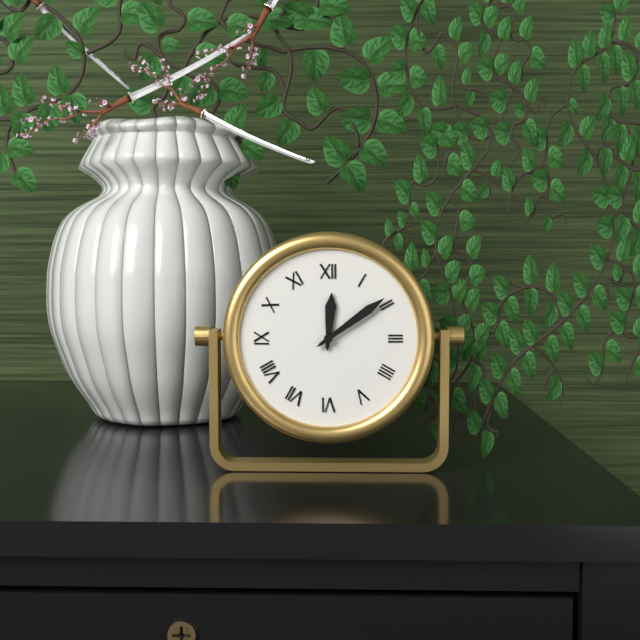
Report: 12:09
